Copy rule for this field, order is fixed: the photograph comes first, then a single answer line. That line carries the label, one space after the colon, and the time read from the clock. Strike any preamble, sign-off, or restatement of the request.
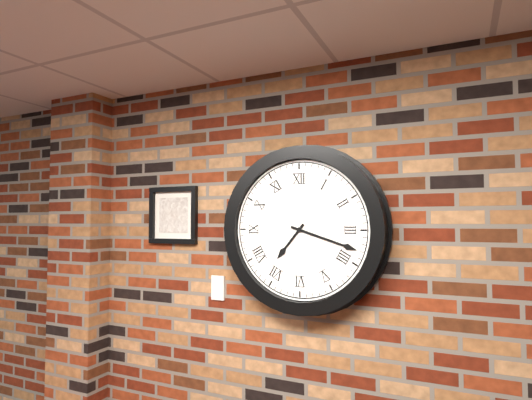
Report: 7:18
